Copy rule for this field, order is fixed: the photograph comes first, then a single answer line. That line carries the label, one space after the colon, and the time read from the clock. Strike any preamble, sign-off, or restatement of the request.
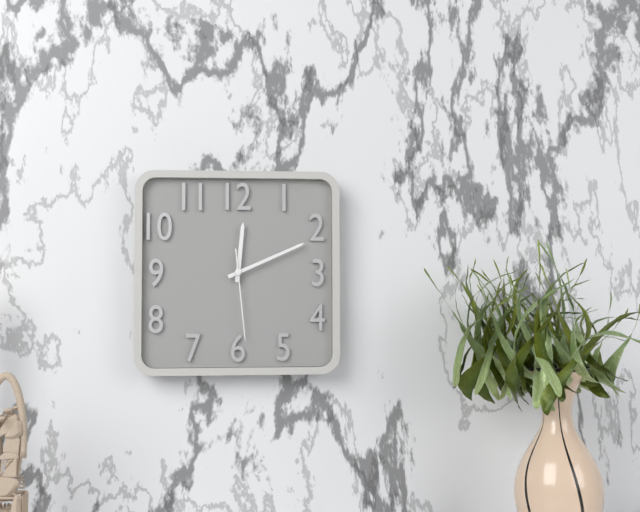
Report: 12:11:29
